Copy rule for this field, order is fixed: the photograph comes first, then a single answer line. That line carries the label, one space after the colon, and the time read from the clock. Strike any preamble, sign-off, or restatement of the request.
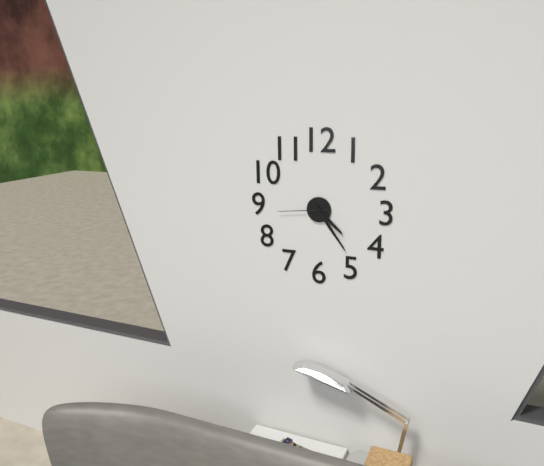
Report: 4:24:44
